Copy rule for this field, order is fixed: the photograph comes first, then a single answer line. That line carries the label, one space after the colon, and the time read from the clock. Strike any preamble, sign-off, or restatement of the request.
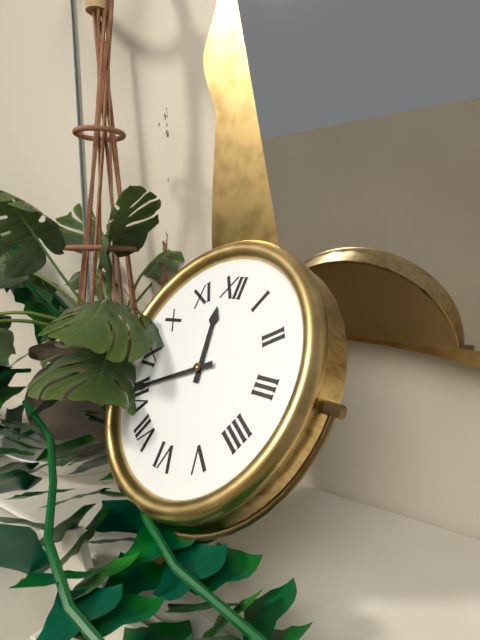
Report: 11:41
